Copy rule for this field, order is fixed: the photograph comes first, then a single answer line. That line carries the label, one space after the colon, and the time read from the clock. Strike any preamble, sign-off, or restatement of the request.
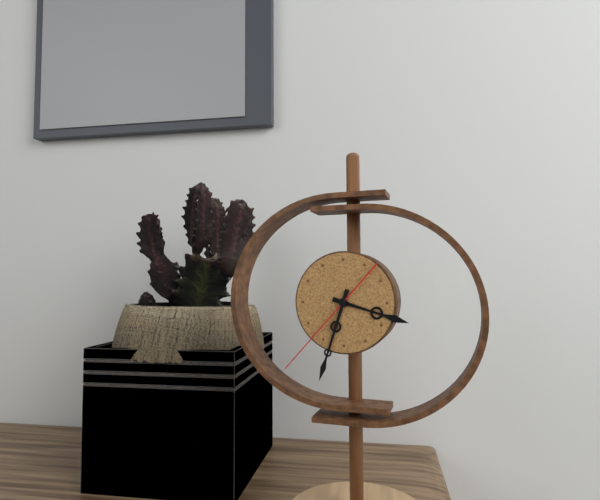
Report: 3:33:37
